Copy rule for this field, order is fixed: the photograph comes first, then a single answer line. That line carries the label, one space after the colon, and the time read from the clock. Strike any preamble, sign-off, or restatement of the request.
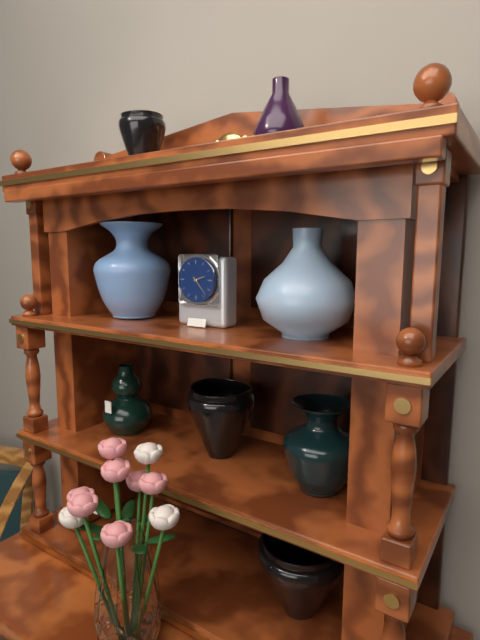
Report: 2:23
